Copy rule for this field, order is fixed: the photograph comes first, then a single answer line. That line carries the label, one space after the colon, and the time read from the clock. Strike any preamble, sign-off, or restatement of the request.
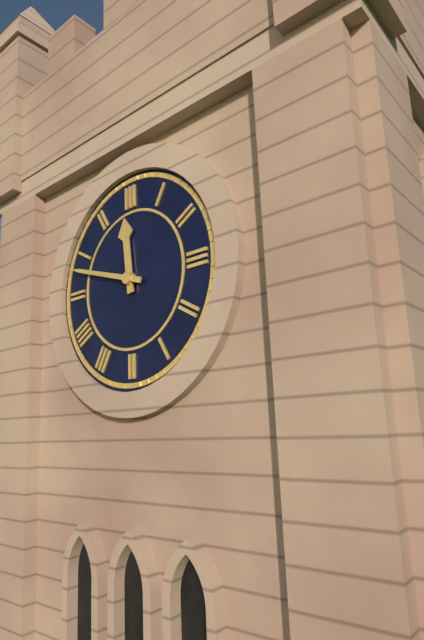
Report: 11:48
